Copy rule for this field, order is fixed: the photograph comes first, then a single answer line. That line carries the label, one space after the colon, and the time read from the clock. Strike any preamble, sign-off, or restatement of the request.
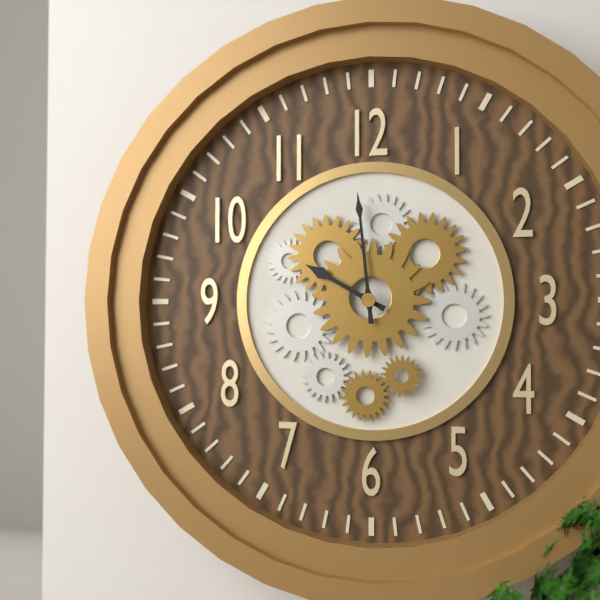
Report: 9:59
